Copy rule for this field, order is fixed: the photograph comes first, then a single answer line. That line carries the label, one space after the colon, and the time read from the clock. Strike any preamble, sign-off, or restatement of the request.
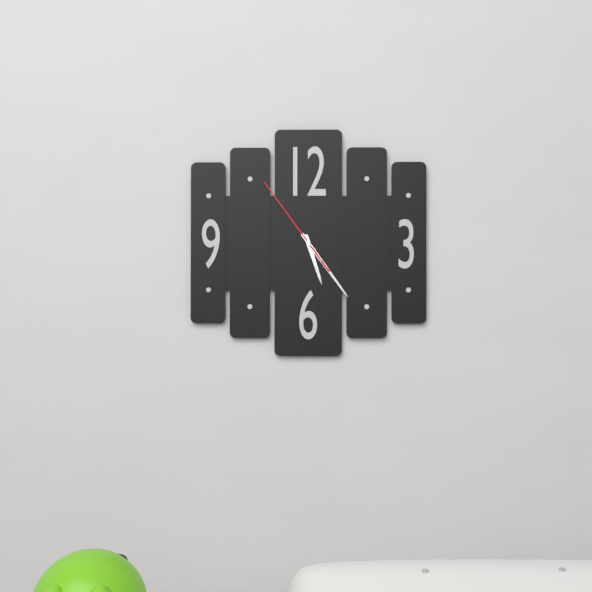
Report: 5:24:54
